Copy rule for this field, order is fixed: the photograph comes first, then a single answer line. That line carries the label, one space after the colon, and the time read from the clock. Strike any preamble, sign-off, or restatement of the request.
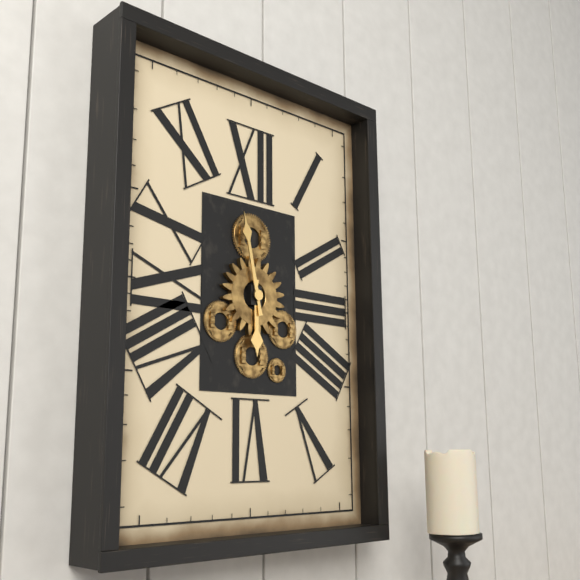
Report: 5:58
